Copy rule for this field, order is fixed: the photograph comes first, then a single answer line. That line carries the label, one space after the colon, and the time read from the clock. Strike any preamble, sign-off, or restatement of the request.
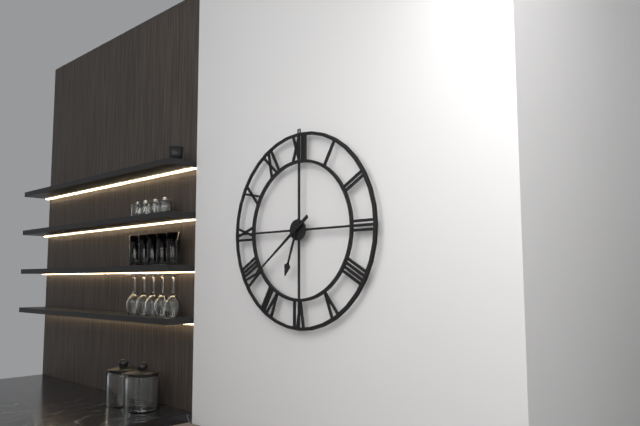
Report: 6:39
